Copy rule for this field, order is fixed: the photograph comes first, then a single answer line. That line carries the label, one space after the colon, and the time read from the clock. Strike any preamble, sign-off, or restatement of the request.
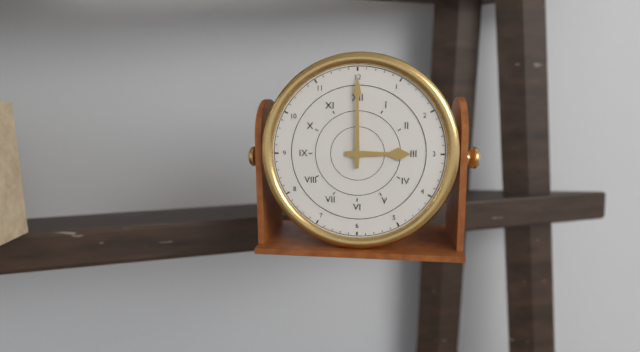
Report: 3:00
